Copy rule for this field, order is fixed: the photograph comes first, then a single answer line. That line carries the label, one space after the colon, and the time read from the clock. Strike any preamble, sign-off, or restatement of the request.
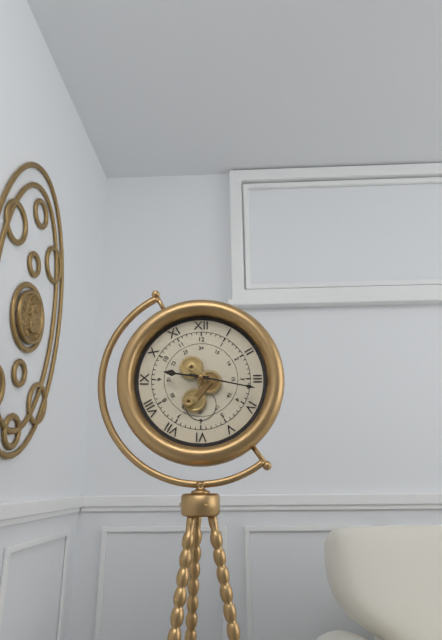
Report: 9:17
